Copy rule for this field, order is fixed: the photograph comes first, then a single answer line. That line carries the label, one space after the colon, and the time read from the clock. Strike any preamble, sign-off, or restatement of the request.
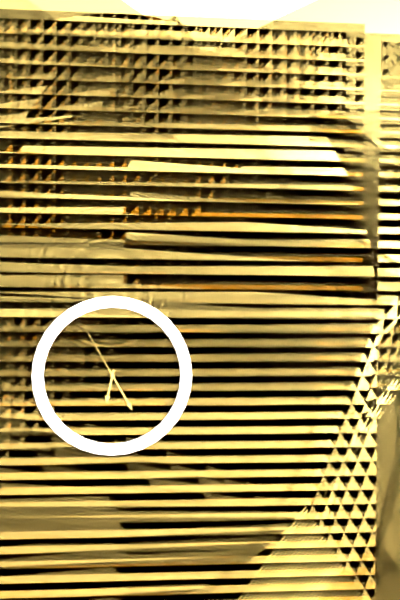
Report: 6:25:55
